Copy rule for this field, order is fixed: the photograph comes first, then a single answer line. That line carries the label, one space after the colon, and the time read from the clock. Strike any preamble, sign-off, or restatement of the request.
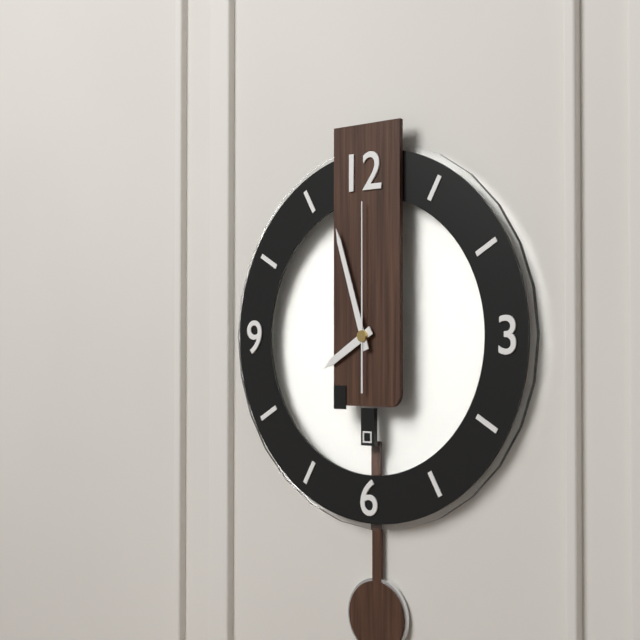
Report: 7:57:00
